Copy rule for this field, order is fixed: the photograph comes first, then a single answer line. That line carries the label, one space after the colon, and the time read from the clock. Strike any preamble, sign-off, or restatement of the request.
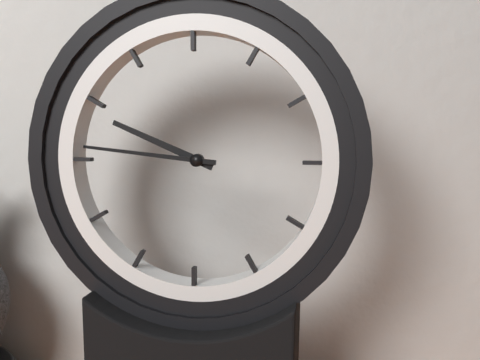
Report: 9:46
